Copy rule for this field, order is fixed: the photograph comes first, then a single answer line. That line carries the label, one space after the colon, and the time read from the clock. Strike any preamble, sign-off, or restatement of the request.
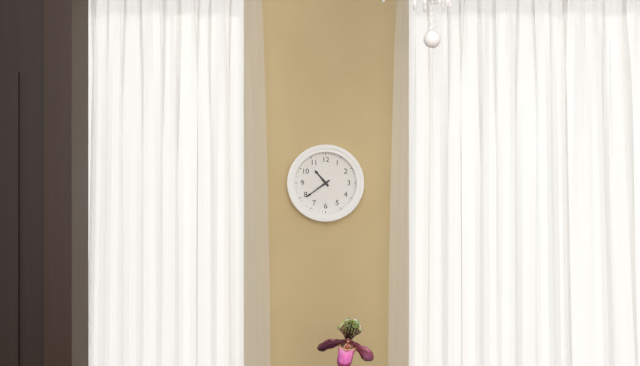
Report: 10:39
